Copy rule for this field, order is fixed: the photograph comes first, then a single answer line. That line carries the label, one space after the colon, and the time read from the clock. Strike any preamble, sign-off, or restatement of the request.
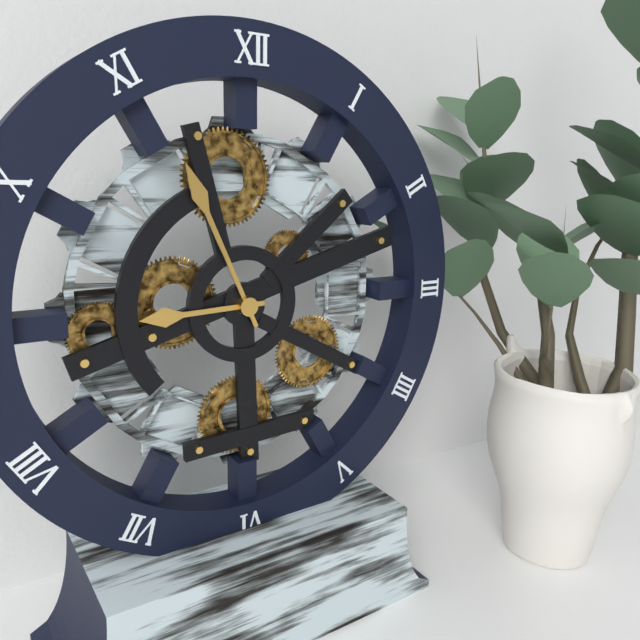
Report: 8:56
